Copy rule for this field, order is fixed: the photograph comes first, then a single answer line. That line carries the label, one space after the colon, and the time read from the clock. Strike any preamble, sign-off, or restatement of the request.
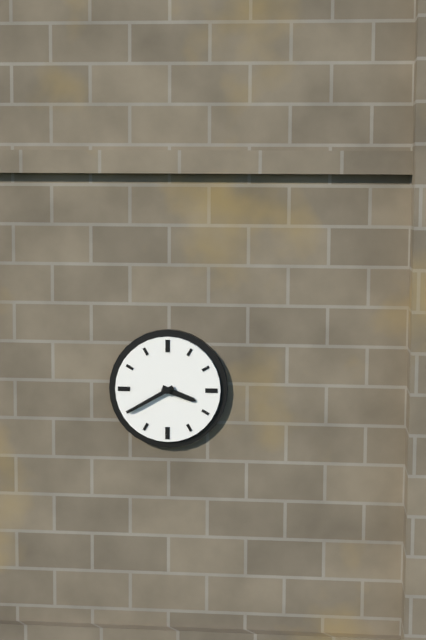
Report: 3:40
